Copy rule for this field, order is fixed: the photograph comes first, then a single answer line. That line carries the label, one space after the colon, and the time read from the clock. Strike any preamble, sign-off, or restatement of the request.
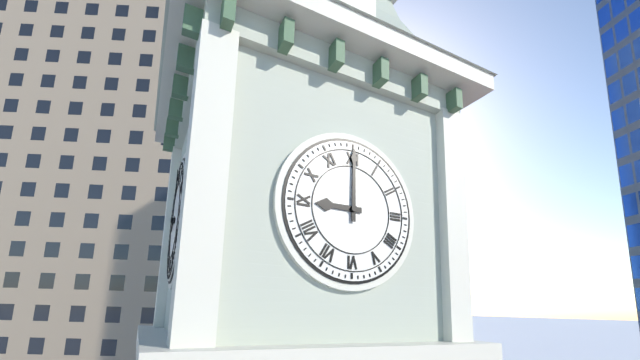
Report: 9:00
